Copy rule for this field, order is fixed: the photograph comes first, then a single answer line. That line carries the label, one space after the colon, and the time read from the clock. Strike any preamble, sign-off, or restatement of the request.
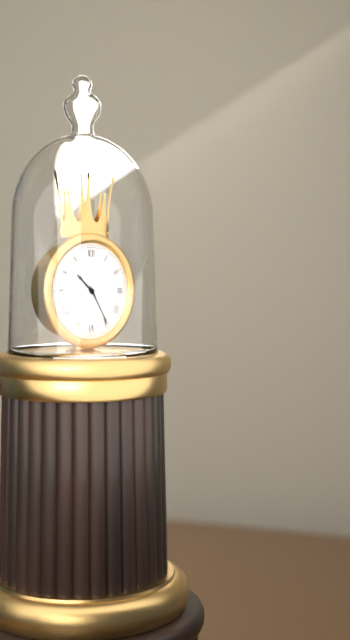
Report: 10:25
